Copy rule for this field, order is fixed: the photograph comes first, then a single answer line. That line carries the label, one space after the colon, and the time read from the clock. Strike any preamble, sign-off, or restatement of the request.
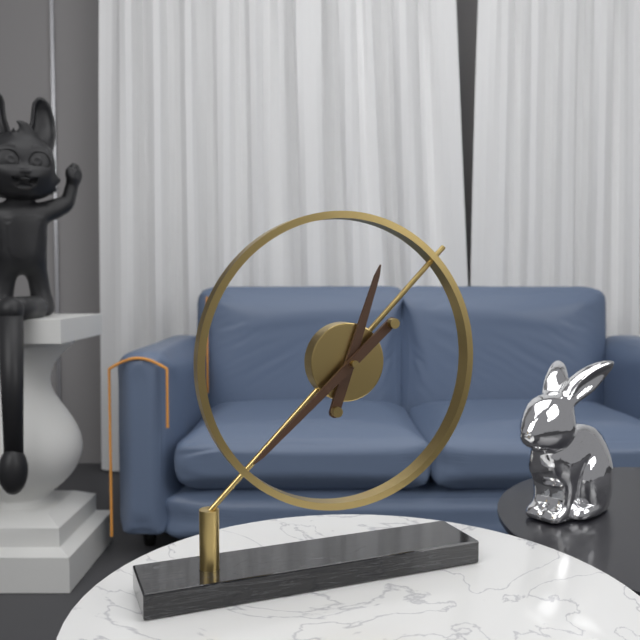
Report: 12:38
